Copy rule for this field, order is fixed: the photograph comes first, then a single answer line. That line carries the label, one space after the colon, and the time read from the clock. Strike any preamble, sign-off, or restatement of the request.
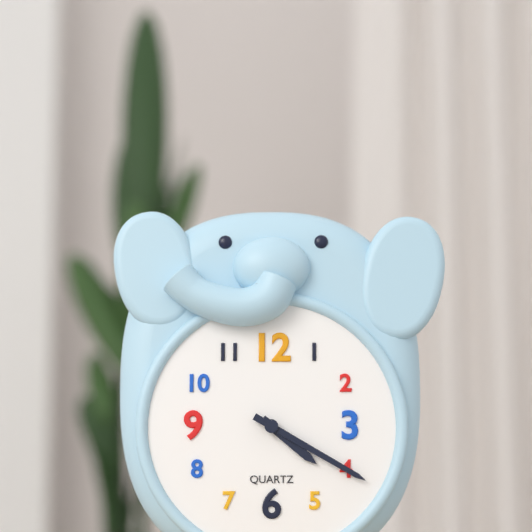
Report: 4:20
